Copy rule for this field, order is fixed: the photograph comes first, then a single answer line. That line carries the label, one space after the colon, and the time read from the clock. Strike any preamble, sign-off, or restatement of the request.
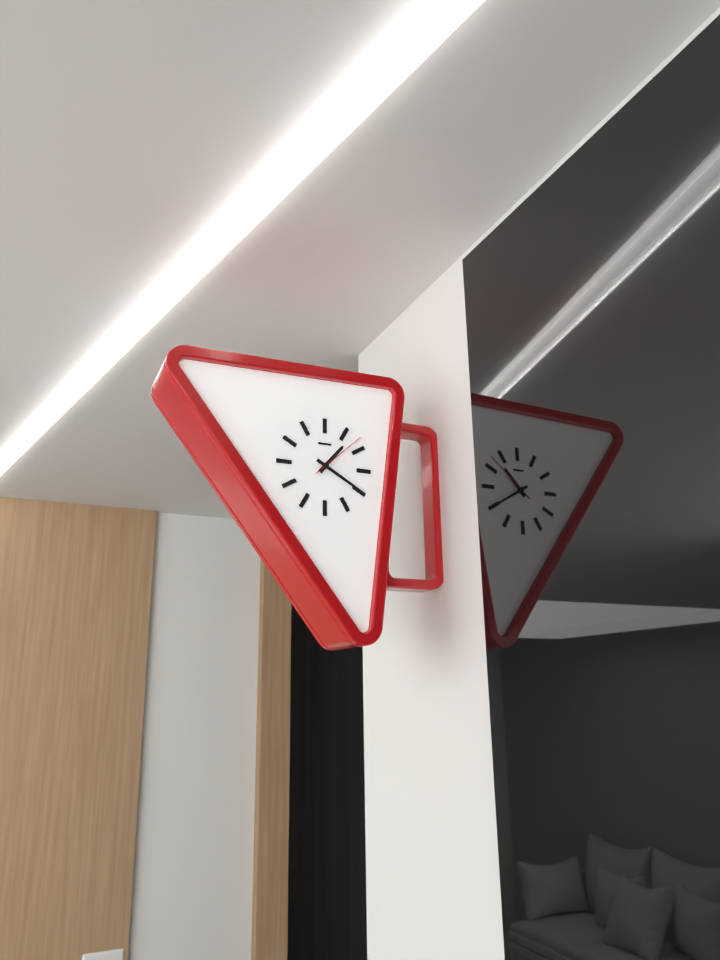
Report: 1:20:08
